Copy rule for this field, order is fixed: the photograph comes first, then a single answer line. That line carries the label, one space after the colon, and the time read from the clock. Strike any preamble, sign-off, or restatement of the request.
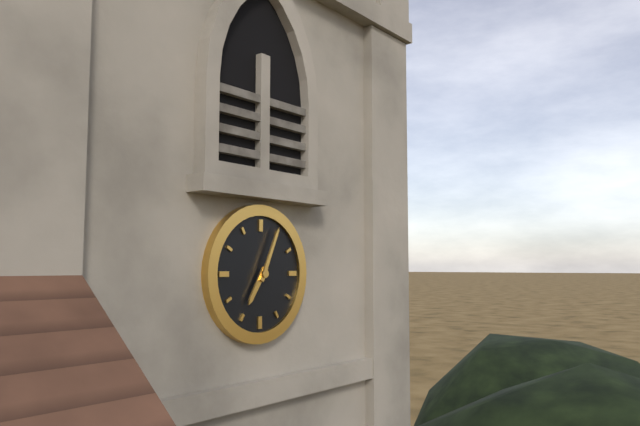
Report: 7:04
